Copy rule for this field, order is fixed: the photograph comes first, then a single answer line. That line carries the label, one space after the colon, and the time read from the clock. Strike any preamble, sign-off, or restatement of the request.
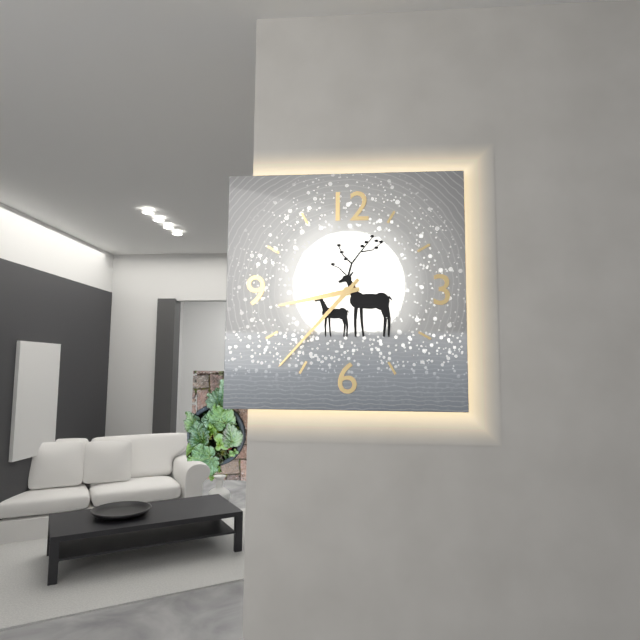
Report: 8:37
